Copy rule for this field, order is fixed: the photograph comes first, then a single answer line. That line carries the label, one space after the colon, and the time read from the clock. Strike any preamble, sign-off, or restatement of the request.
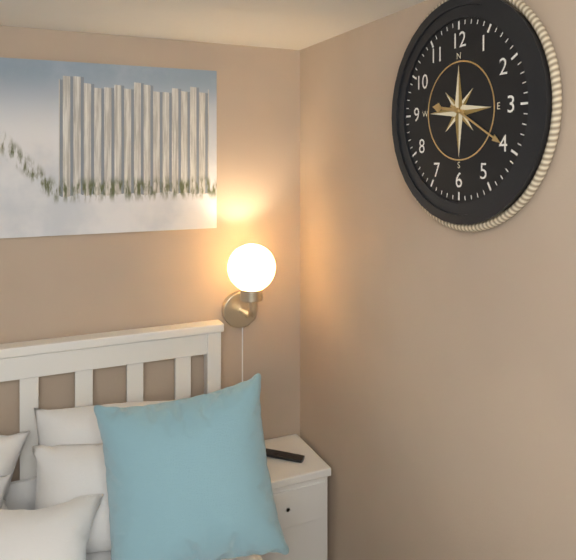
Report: 9:20
